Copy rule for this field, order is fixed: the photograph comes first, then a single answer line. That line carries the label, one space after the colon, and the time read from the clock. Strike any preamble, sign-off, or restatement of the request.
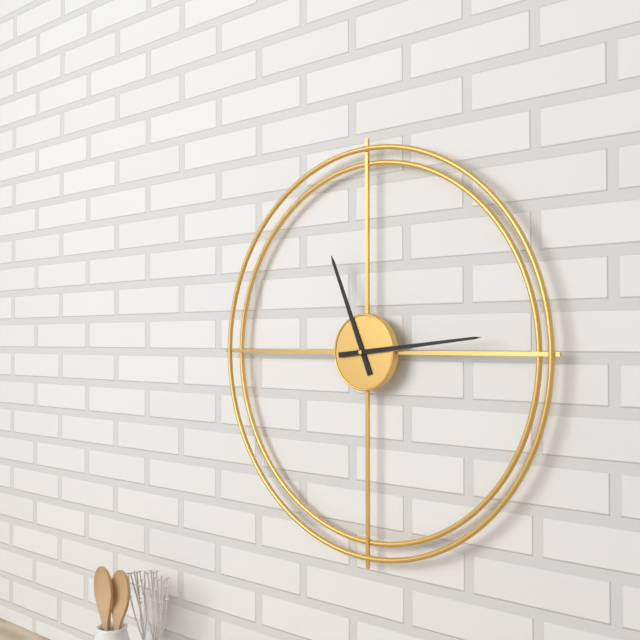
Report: 11:14
